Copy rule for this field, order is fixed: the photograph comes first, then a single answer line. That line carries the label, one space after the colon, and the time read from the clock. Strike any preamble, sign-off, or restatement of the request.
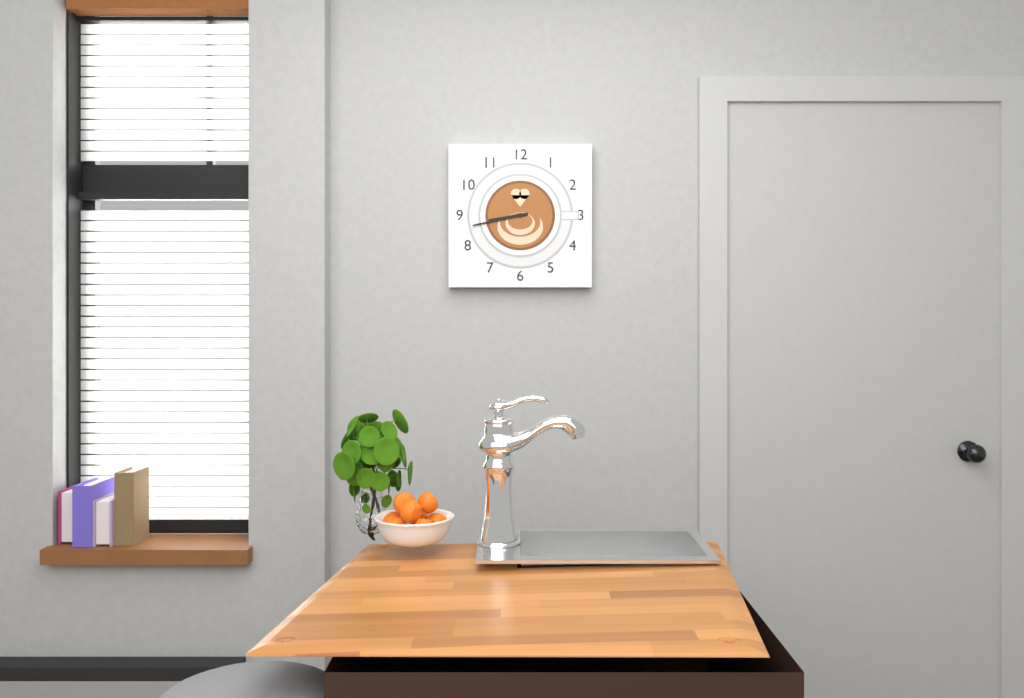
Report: 8:43
